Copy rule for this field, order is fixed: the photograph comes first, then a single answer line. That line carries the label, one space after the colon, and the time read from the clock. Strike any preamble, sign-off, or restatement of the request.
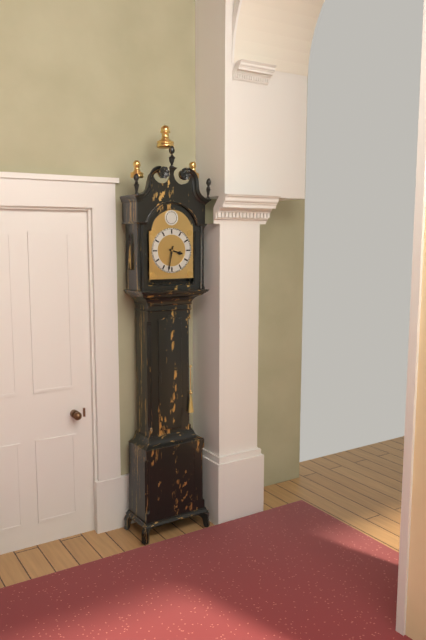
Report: 3:32
